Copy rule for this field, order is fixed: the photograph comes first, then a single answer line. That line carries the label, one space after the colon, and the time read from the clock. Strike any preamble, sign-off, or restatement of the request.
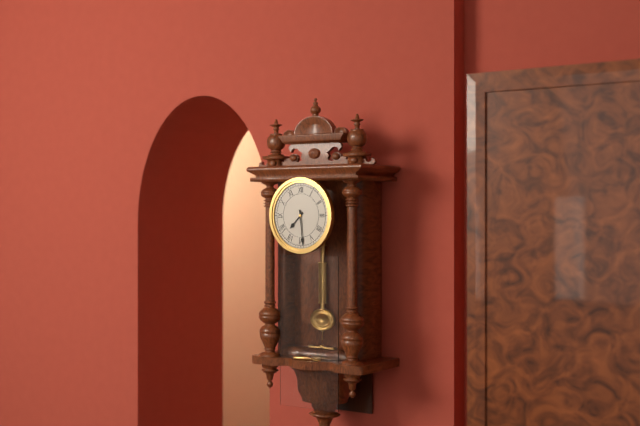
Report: 7:29
